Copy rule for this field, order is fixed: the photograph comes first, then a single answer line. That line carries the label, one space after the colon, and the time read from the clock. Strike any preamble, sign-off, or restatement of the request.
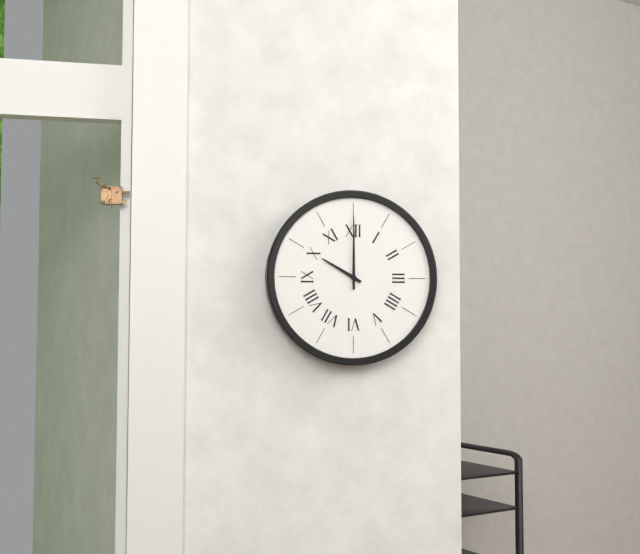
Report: 10:00
